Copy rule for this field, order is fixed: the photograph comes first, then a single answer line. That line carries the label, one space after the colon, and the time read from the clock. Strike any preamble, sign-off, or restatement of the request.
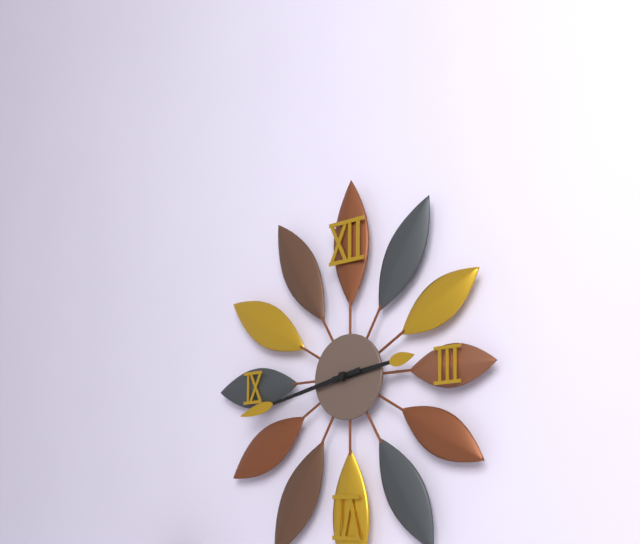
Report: 2:43
